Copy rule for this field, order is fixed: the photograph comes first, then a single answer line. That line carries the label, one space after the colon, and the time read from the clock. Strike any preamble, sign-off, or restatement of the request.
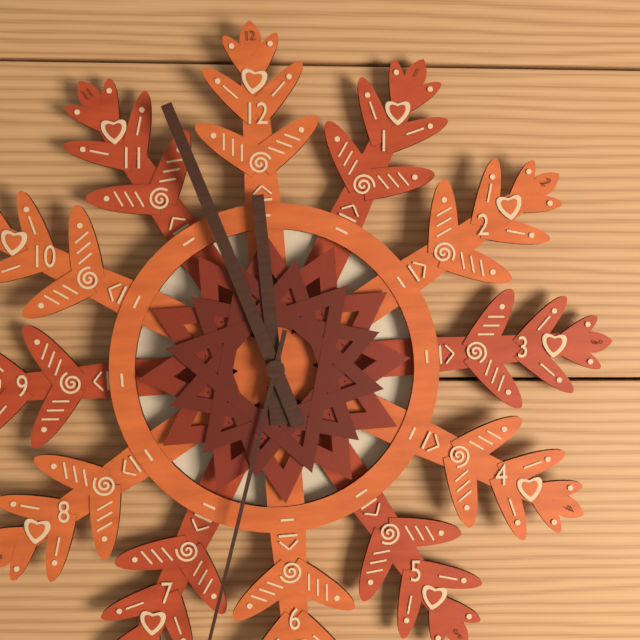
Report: 11:57
